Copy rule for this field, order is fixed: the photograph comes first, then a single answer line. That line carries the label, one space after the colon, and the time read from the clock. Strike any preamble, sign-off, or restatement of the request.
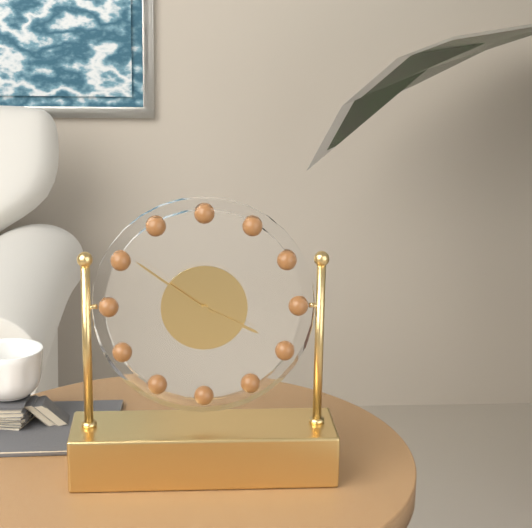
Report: 3:51
